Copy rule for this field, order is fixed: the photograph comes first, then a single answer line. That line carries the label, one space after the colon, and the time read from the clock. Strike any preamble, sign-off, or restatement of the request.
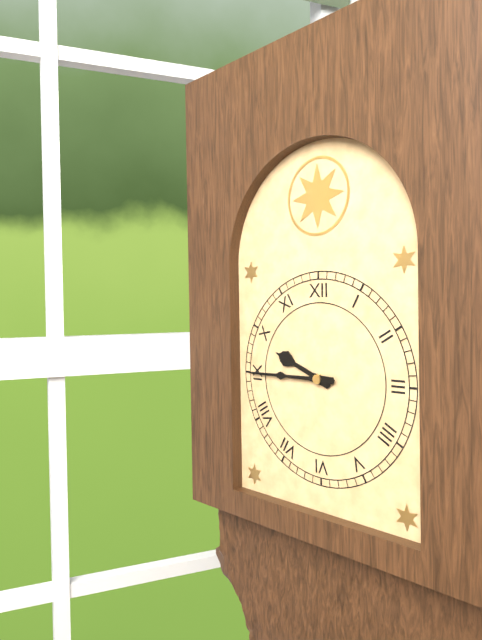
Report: 9:45
